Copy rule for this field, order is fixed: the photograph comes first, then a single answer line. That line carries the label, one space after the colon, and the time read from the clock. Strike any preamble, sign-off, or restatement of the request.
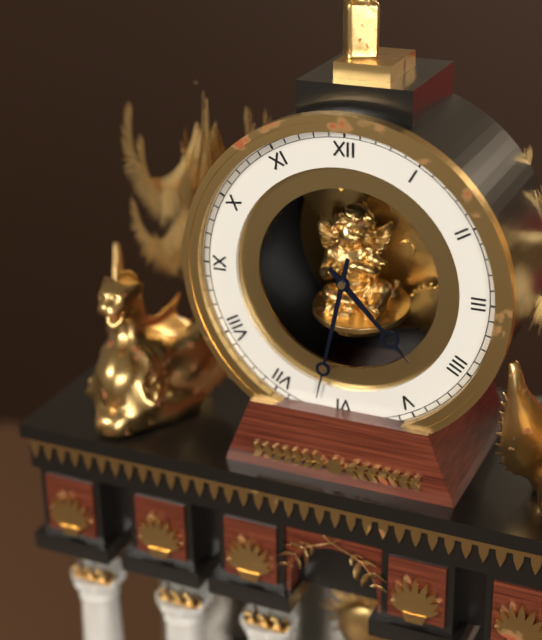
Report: 4:32
